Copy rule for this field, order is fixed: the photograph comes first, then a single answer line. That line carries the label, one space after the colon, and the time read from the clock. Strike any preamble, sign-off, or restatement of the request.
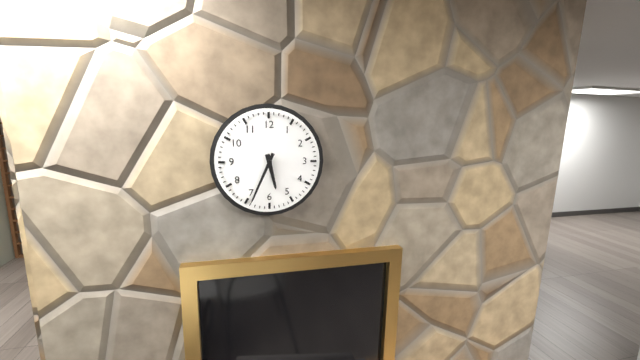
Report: 5:34
